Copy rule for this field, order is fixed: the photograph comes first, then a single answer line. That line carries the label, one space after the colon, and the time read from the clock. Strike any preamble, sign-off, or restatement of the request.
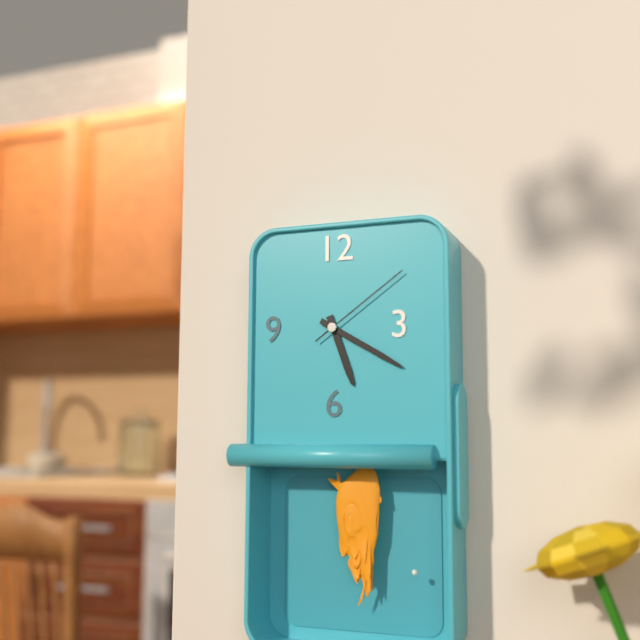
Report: 5:20:09
